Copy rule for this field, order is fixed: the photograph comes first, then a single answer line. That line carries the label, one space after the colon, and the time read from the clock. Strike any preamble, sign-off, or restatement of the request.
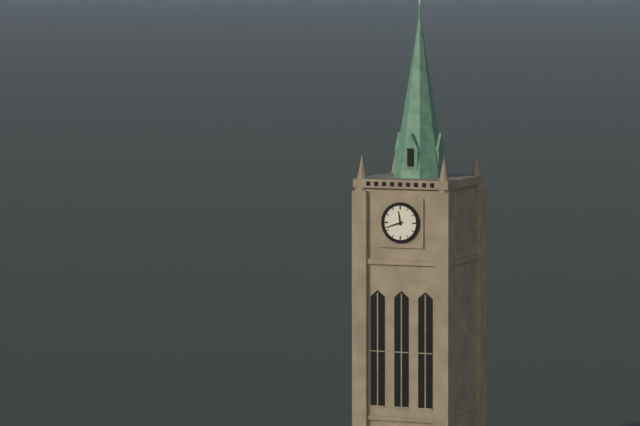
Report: 11:42
